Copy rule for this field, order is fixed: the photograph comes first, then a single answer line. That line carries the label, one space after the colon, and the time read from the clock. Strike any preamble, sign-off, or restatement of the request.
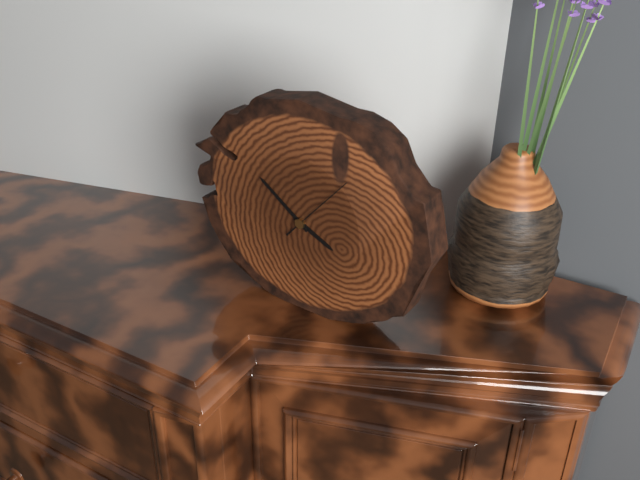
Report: 3:51:07
